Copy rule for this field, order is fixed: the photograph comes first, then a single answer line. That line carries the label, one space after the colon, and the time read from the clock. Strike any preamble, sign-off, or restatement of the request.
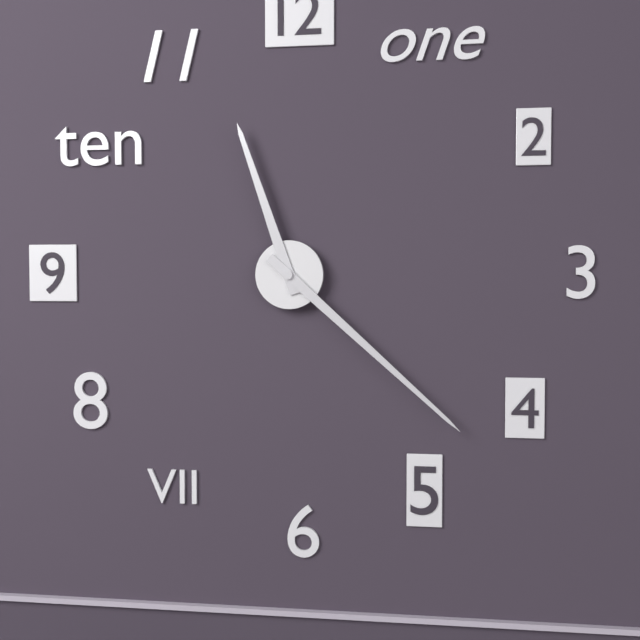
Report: 11:22
